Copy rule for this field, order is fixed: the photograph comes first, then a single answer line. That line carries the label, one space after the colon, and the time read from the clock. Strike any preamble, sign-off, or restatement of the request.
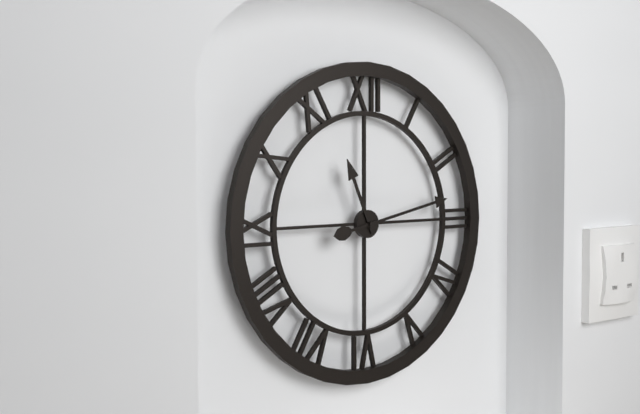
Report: 11:13
